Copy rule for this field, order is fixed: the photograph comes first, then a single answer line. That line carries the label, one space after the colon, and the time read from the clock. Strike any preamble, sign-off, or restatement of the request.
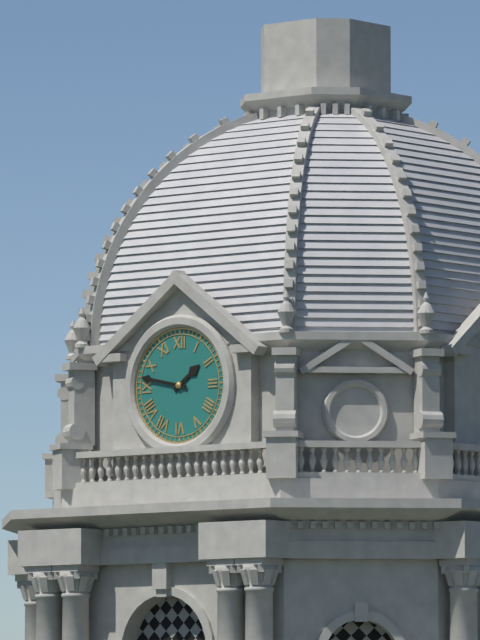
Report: 1:47
